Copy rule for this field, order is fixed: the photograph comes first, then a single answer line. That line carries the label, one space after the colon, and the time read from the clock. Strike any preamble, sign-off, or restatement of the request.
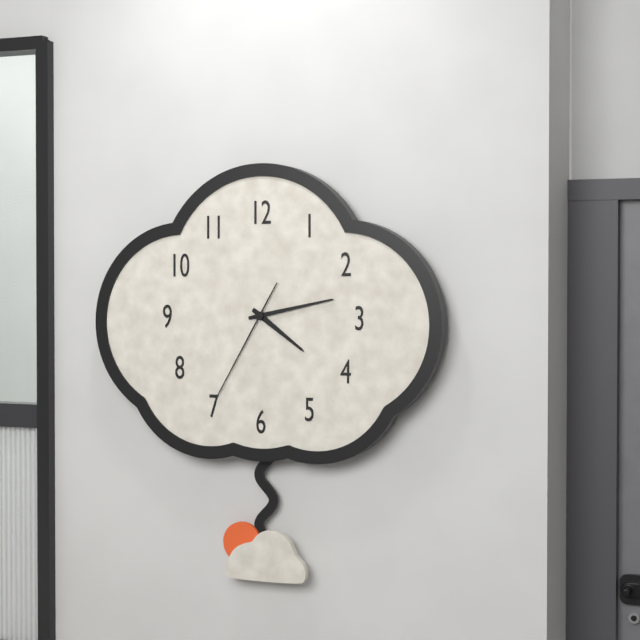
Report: 4:13:35
